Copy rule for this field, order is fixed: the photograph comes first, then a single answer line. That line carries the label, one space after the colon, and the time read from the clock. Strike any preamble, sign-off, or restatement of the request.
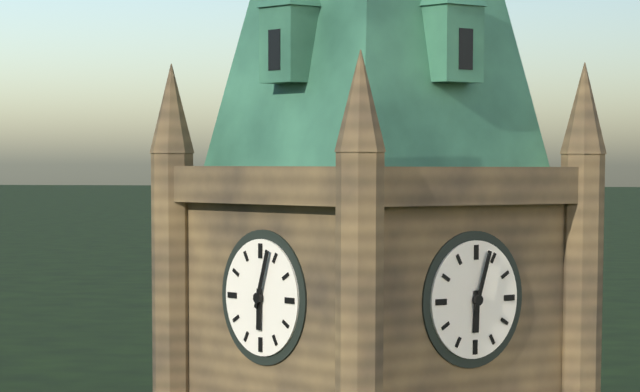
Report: 6:03
